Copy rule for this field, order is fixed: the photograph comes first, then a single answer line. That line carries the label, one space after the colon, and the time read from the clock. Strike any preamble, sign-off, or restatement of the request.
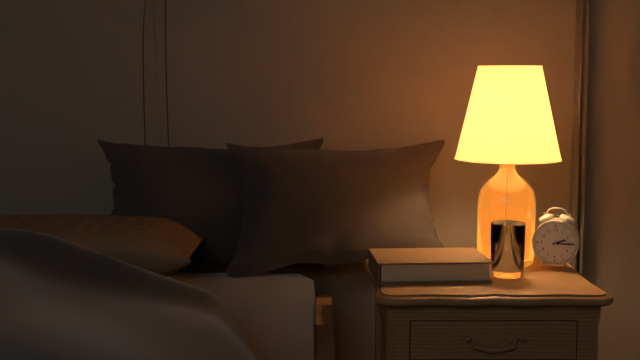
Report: 2:15
